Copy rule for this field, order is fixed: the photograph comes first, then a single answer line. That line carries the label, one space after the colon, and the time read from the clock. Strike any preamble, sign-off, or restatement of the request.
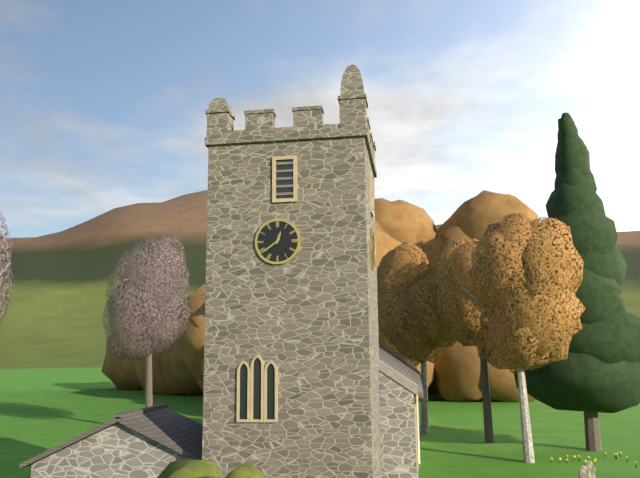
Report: 12:39
